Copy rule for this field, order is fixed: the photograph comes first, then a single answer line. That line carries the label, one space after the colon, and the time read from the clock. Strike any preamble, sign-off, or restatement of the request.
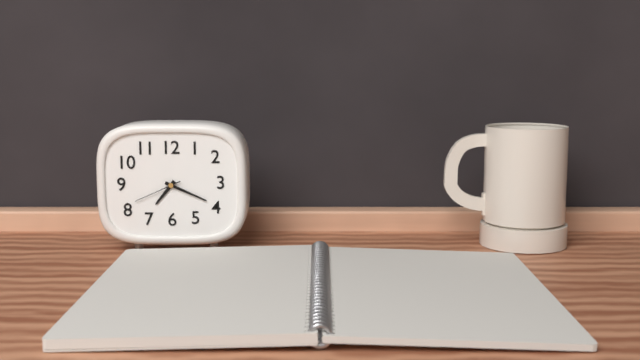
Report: 7:19
